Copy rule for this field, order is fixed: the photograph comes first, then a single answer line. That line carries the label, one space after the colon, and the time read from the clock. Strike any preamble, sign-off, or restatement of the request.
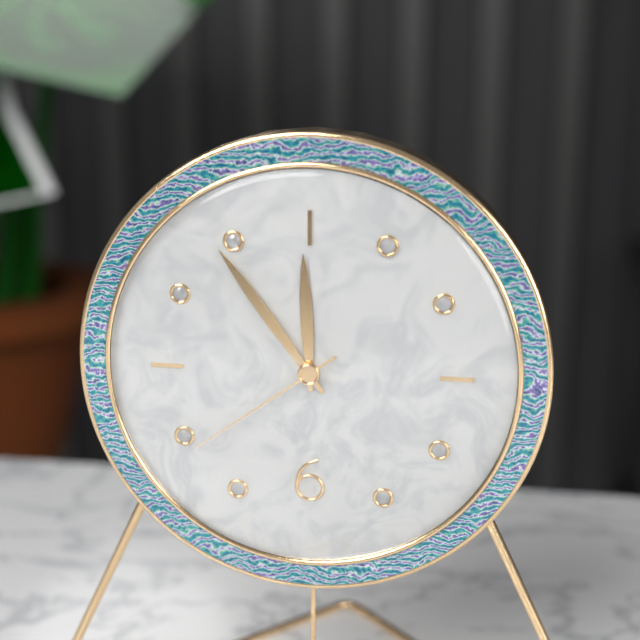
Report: 11:54:39
